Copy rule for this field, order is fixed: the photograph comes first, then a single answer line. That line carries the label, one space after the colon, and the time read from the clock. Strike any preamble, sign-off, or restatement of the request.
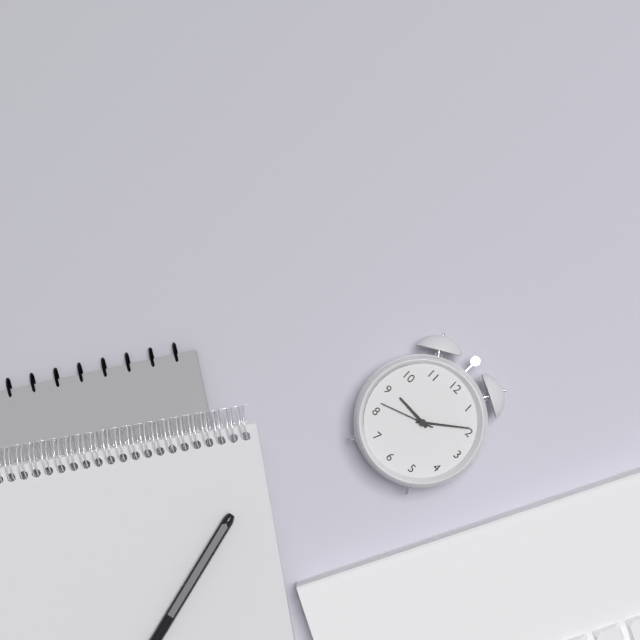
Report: 9:09:42
